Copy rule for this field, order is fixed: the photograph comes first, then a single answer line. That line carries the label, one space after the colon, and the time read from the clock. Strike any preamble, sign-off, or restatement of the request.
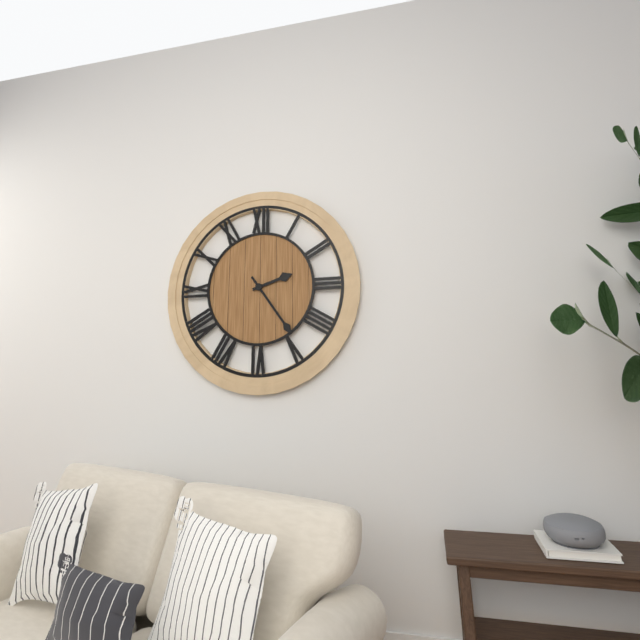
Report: 2:24
